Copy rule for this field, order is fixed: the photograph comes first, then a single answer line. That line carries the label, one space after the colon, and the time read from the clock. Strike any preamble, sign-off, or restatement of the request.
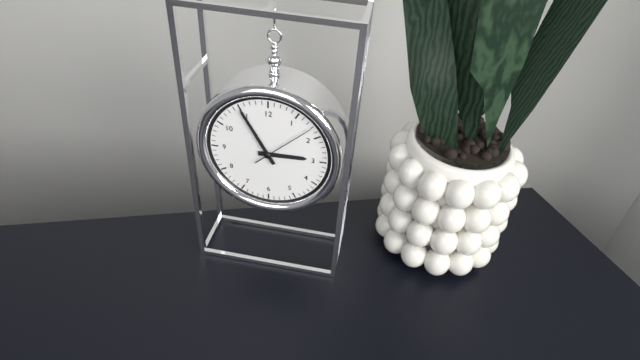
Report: 2:55:08
